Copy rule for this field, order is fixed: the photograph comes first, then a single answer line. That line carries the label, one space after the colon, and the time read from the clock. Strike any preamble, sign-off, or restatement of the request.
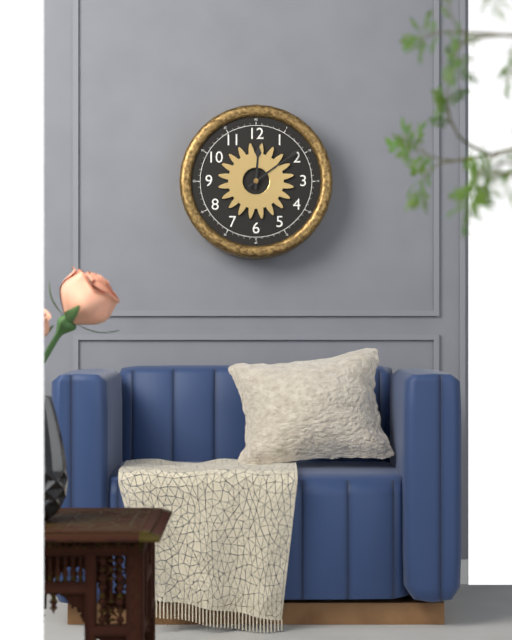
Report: 12:09
